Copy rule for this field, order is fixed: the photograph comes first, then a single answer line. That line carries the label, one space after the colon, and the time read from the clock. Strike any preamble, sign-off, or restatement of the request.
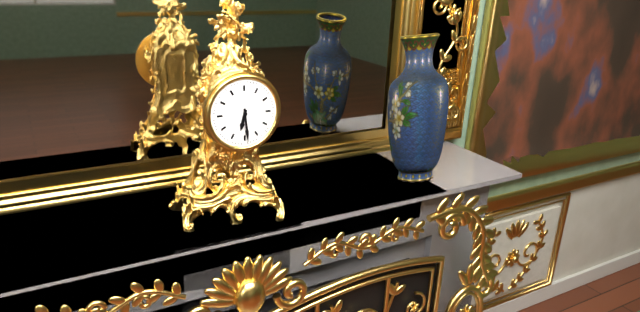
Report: 6:29
